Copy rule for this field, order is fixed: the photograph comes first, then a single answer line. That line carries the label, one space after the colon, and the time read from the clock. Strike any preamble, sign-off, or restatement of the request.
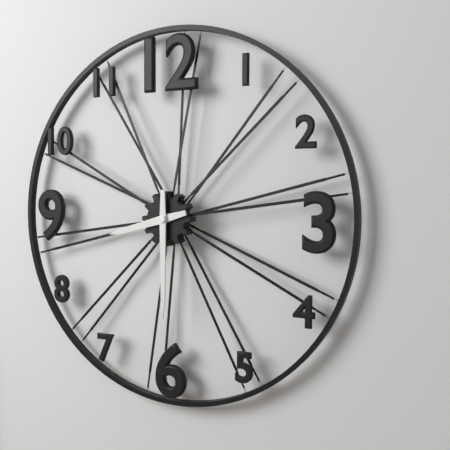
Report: 8:30
